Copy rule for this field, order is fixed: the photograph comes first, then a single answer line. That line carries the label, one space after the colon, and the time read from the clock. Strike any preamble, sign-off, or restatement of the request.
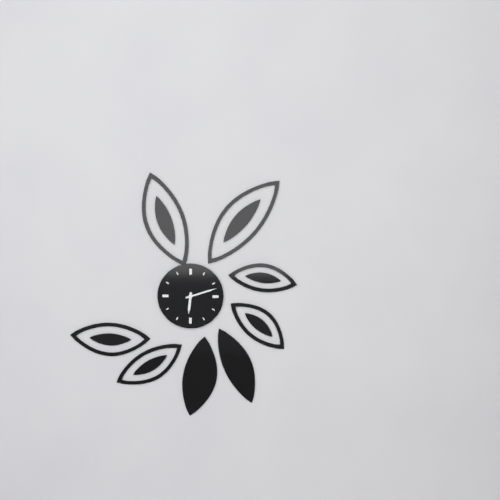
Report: 6:12
